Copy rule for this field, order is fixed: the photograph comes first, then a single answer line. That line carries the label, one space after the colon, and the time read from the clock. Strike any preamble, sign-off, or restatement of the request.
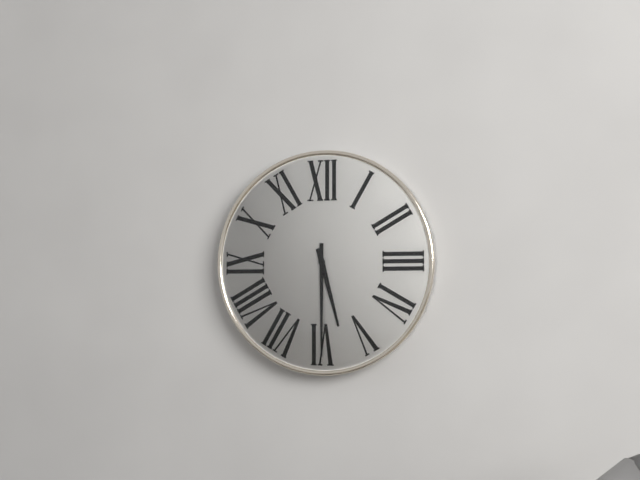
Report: 5:30
